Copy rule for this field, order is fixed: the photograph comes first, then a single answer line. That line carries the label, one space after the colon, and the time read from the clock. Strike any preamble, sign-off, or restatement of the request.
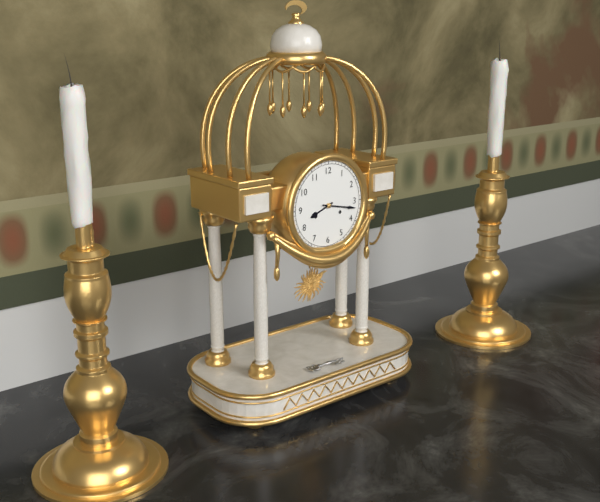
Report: 8:17
